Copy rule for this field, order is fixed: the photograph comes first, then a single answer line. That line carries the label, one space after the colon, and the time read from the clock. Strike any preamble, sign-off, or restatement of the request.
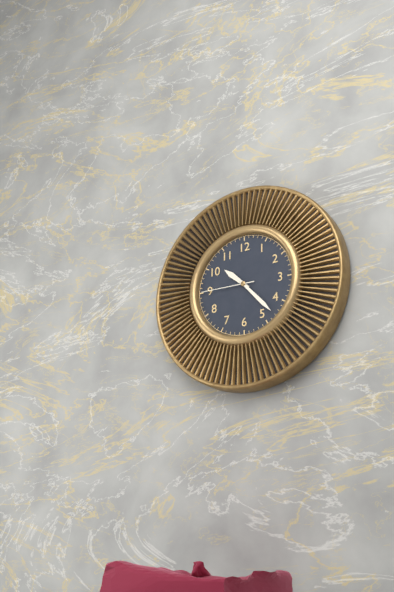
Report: 10:23:45
